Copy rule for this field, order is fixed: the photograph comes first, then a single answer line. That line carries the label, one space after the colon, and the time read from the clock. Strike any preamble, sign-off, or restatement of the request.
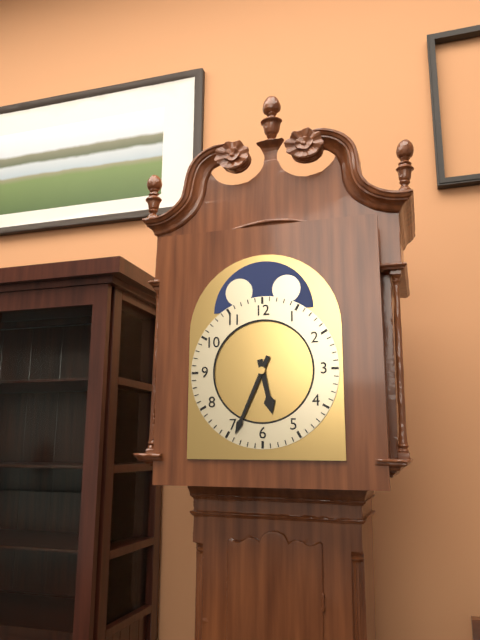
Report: 5:34
